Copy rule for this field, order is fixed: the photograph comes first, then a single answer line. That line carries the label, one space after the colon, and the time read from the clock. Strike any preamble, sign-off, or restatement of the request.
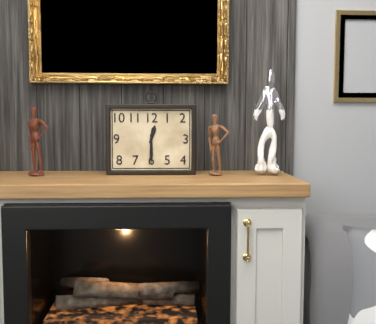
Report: 12:30
